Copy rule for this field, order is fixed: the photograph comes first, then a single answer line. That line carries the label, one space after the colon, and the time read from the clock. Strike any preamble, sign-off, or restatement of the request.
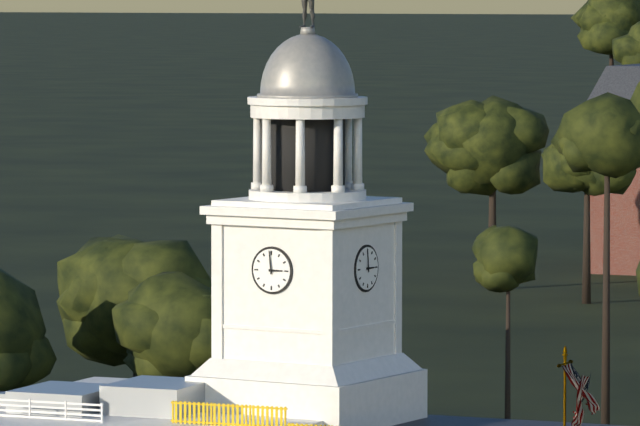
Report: 2:59
